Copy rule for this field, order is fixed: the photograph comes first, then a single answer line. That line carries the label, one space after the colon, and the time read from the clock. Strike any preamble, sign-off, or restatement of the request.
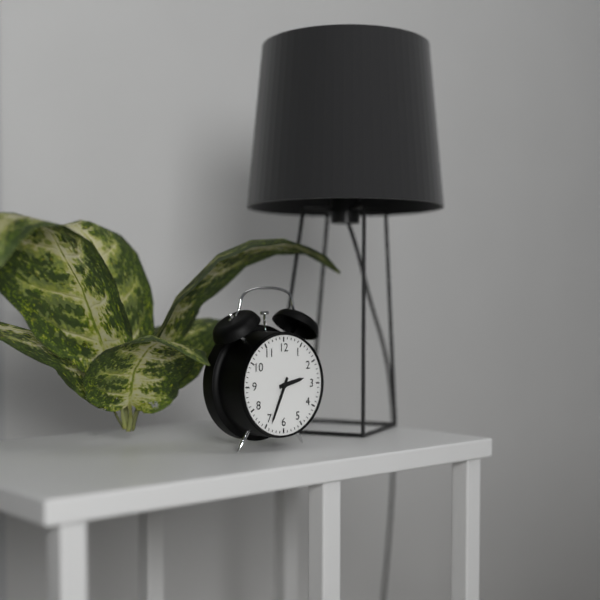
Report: 2:34
